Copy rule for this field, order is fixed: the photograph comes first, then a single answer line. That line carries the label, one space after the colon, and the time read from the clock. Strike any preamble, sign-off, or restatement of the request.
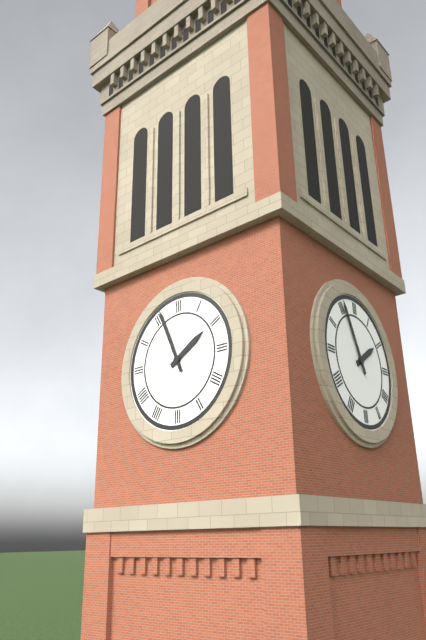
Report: 1:56
